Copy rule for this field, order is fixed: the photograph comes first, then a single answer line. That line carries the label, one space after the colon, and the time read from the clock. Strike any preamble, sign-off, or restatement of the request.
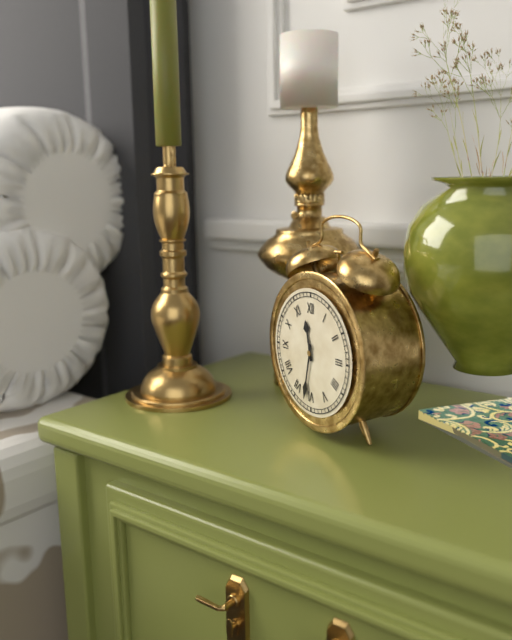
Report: 11:32
